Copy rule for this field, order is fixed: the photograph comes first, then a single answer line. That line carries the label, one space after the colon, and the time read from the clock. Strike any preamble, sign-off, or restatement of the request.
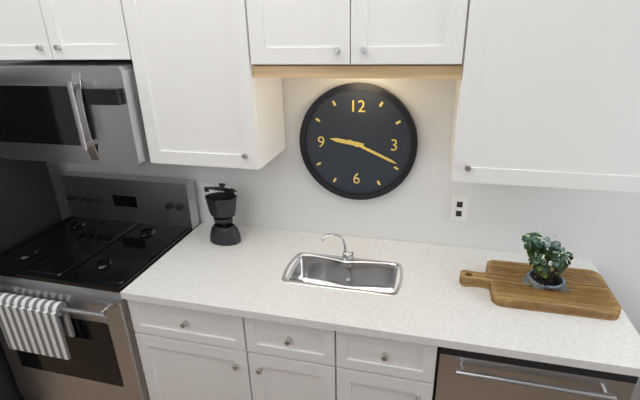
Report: 9:19
